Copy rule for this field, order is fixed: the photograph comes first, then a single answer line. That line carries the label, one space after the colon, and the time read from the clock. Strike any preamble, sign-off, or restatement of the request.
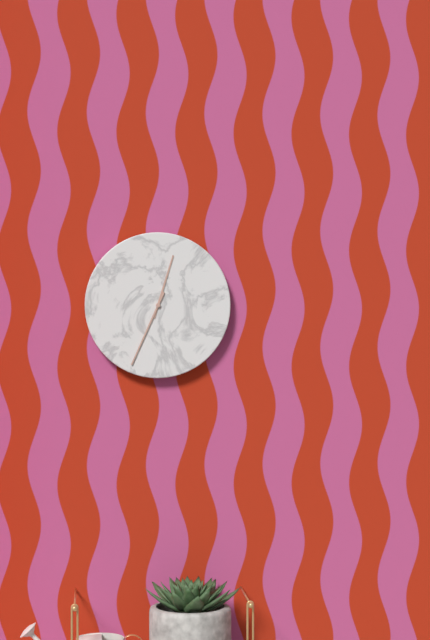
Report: 12:34
